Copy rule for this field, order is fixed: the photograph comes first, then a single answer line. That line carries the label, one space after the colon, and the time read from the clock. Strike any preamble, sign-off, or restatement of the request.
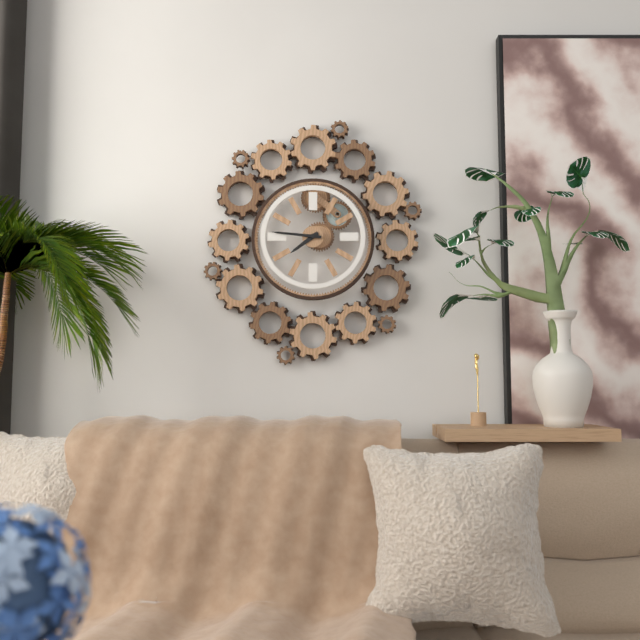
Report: 7:46
